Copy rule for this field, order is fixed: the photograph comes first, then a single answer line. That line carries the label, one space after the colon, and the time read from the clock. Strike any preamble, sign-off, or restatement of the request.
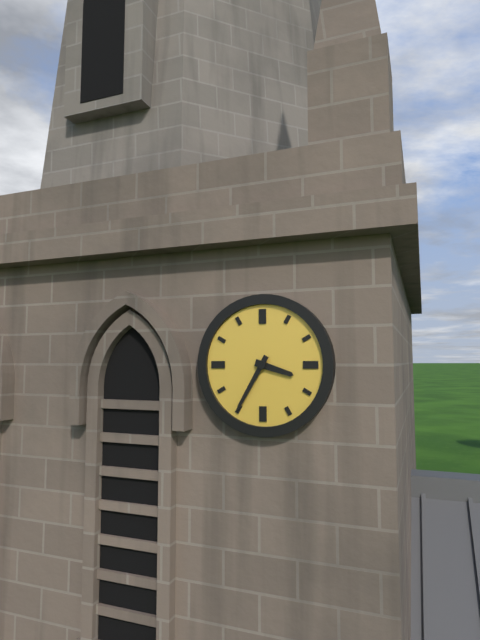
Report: 3:35
